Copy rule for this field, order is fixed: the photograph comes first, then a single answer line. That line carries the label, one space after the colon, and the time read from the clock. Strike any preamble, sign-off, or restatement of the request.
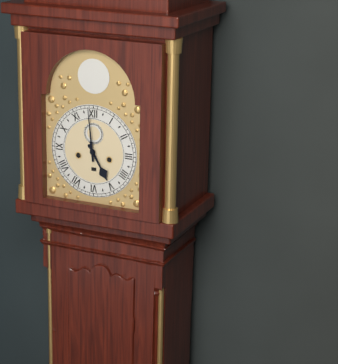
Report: 4:59
